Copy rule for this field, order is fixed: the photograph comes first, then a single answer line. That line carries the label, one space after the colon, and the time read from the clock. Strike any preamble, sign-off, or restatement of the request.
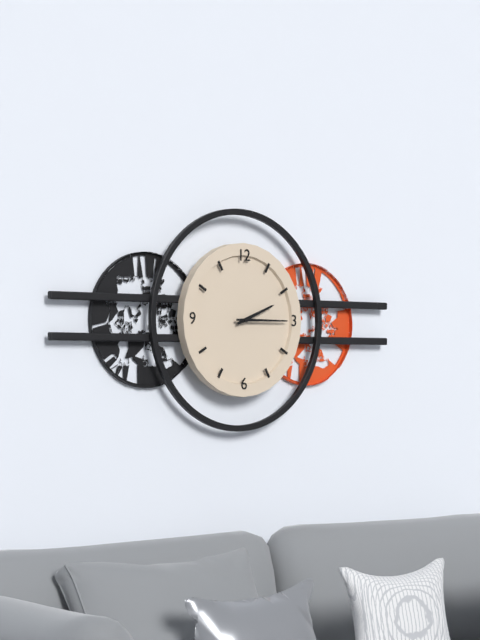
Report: 2:15
